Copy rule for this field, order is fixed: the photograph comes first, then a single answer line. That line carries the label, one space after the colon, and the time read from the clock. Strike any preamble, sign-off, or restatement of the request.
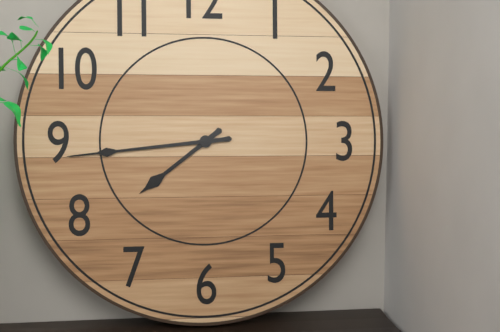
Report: 7:44
